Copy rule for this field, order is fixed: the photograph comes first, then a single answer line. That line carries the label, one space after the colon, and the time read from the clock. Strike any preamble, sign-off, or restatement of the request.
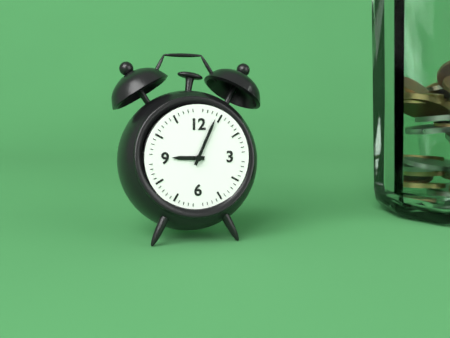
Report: 9:04
